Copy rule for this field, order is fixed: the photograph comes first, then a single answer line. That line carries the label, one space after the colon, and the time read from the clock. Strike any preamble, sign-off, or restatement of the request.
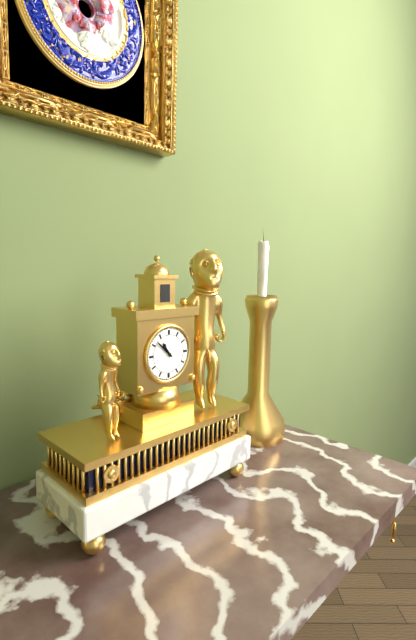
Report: 10:52
